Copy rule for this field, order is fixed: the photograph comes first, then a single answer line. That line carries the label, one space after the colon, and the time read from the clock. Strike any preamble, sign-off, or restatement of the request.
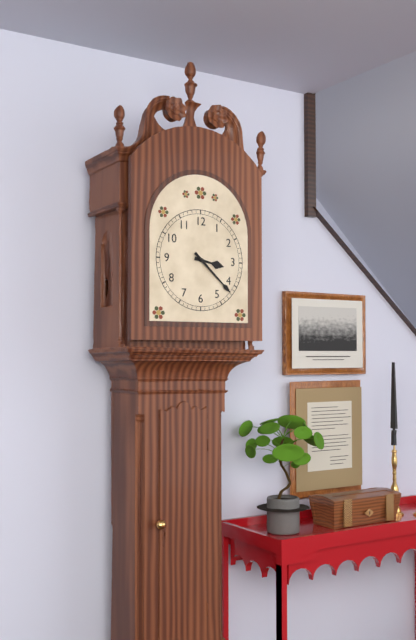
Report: 3:22
